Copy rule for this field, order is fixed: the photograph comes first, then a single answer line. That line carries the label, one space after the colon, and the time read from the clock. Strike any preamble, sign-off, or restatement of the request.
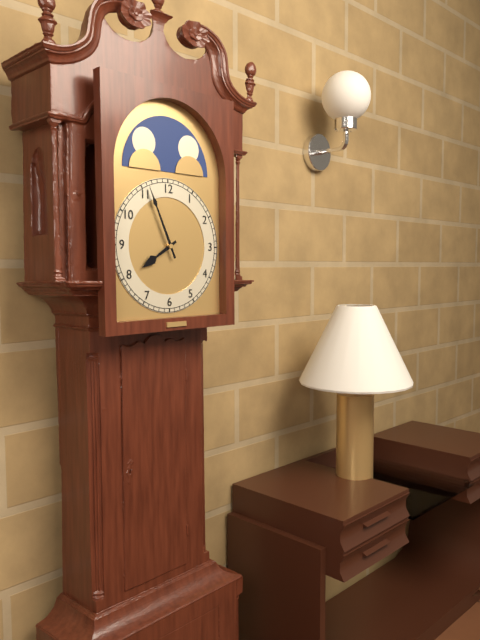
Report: 7:56
